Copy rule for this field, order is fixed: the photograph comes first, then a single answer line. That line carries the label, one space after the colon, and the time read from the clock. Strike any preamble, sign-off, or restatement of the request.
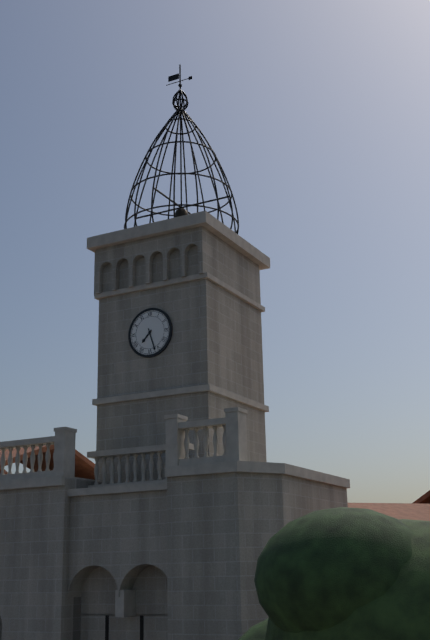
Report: 7:27
